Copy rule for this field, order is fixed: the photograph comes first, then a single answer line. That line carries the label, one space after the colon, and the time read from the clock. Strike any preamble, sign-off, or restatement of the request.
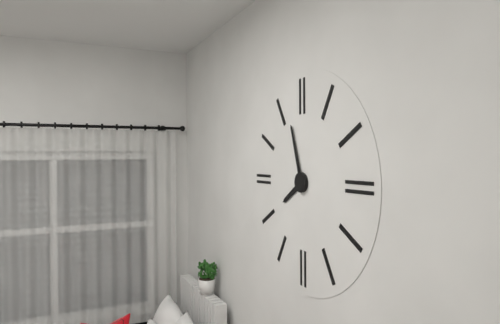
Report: 7:57
